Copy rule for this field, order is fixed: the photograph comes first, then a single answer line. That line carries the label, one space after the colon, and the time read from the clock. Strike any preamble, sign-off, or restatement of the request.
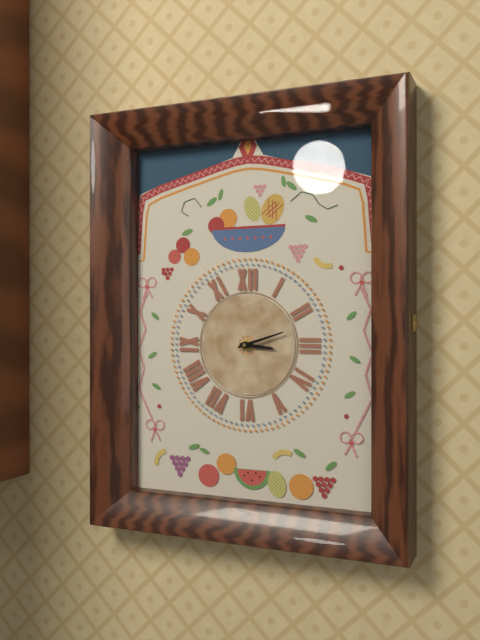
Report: 3:12
